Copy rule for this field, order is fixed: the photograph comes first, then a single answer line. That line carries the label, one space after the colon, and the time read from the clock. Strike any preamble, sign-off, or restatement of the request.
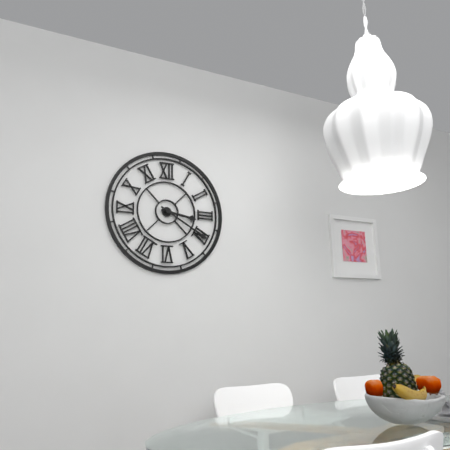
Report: 3:20
